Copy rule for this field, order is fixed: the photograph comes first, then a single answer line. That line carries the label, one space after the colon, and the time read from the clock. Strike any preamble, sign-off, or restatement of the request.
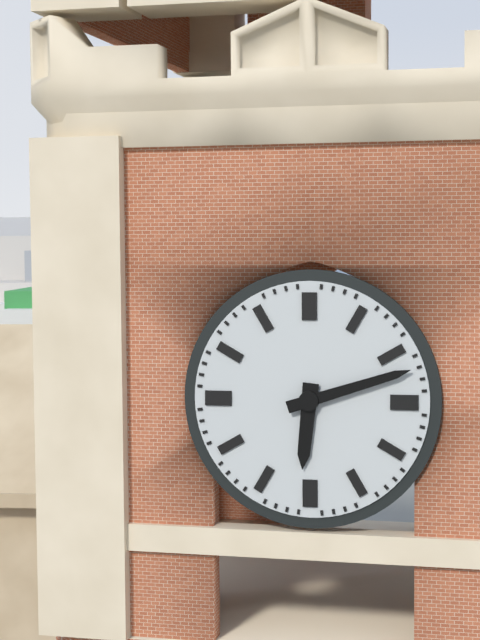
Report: 6:12
